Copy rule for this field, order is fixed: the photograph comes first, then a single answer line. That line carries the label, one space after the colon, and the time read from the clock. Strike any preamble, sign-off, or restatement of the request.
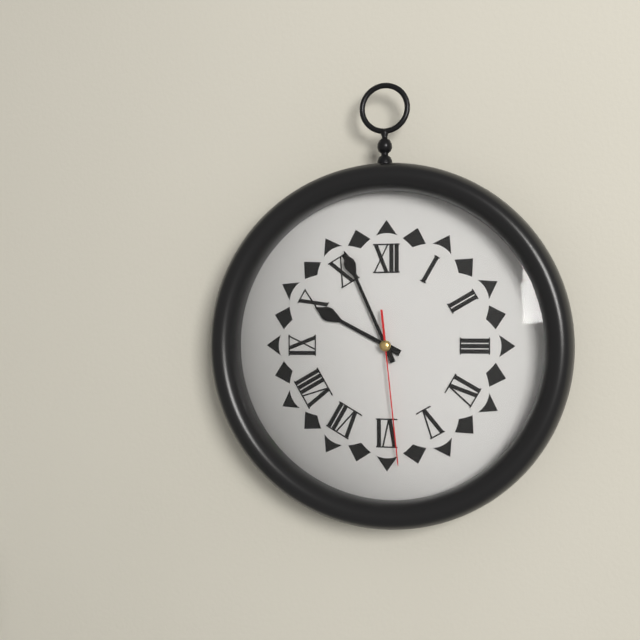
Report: 9:56:29
